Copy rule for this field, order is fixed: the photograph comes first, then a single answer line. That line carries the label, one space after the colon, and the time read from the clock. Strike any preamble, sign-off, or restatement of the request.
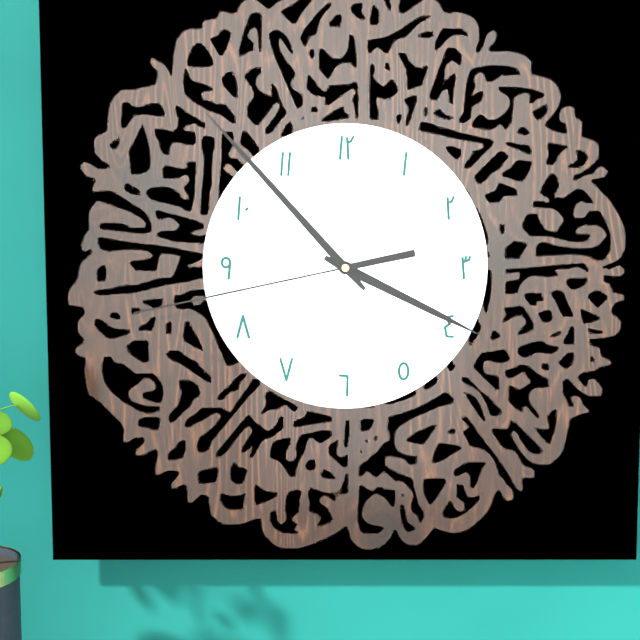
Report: 3:53:43
